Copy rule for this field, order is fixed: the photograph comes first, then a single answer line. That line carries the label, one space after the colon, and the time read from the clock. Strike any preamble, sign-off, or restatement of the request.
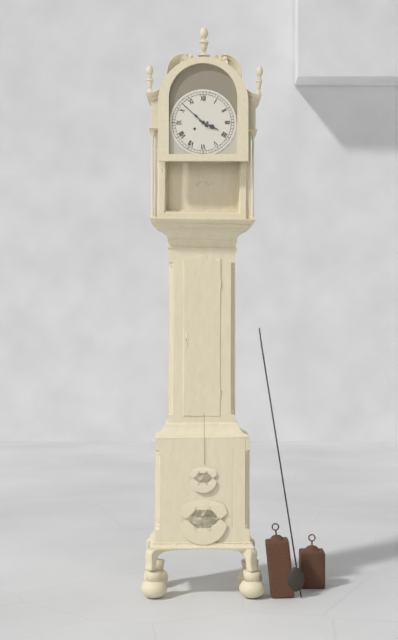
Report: 3:52
